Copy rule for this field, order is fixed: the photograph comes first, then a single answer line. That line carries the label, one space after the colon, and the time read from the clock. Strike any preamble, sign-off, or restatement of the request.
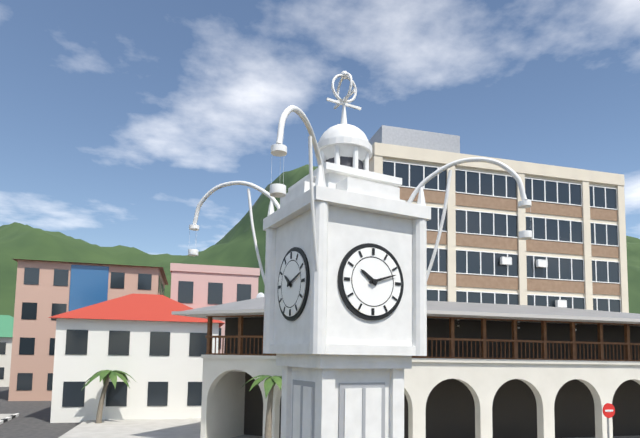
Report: 10:12
